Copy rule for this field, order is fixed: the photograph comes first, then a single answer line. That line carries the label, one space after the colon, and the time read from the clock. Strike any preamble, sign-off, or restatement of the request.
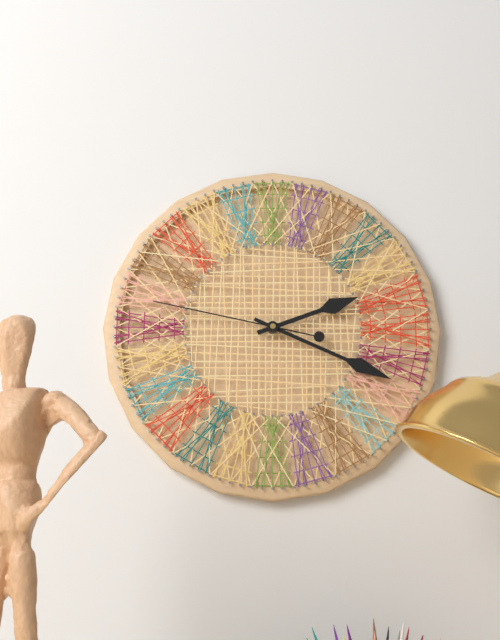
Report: 2:19:47
